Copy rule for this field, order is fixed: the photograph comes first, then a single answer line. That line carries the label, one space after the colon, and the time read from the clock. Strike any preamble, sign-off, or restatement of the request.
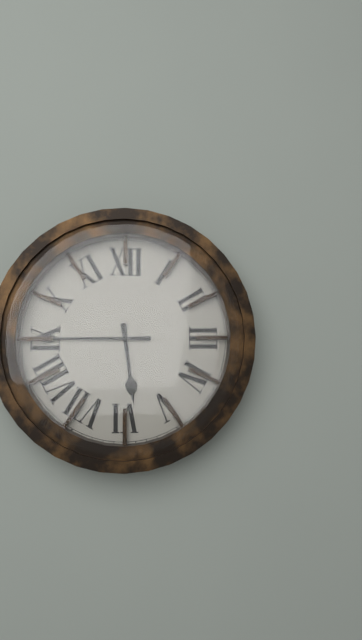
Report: 5:45
